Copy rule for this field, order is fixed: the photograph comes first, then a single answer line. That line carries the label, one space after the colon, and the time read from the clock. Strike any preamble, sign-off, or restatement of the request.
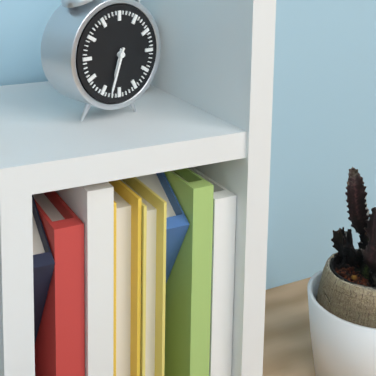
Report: 6:33
